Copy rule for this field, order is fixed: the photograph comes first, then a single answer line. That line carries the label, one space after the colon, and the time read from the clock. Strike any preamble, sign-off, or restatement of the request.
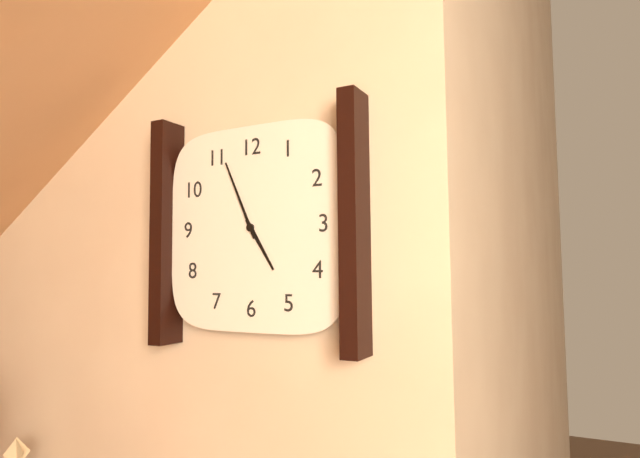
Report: 4:56
